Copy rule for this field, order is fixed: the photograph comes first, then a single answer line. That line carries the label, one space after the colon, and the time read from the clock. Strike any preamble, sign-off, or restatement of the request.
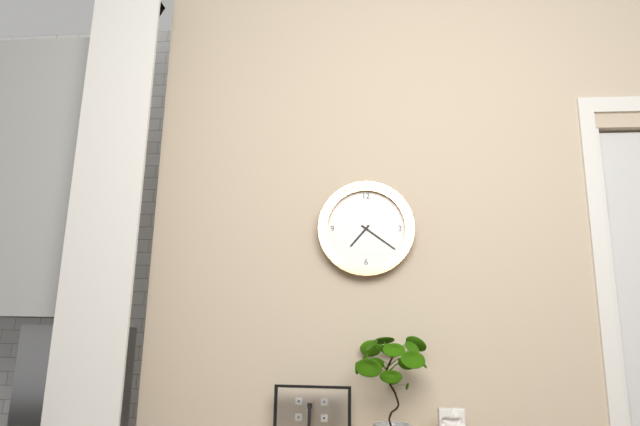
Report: 7:21
